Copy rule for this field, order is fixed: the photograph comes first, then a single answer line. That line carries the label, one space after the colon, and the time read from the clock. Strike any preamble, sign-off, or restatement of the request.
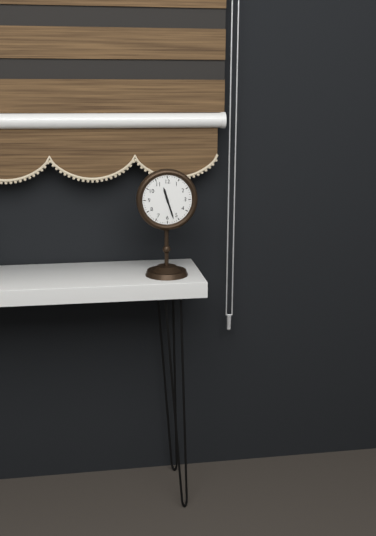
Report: 11:27
